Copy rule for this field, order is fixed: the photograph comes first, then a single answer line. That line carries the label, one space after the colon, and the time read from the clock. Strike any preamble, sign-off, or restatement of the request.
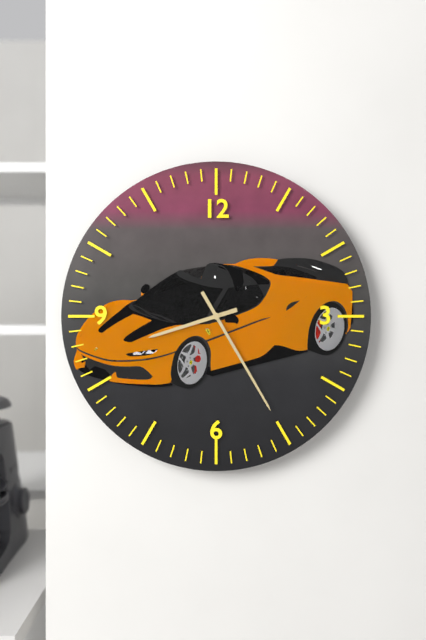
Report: 8:25
